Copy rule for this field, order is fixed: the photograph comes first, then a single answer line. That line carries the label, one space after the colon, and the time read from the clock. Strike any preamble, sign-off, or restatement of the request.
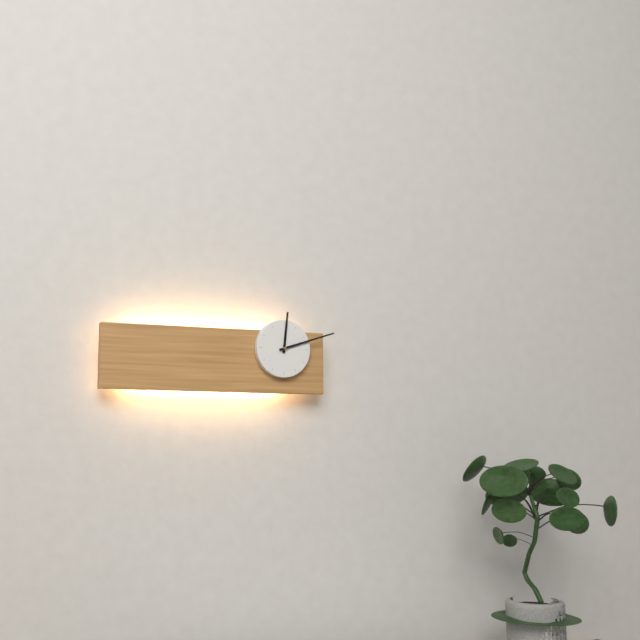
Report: 12:12
